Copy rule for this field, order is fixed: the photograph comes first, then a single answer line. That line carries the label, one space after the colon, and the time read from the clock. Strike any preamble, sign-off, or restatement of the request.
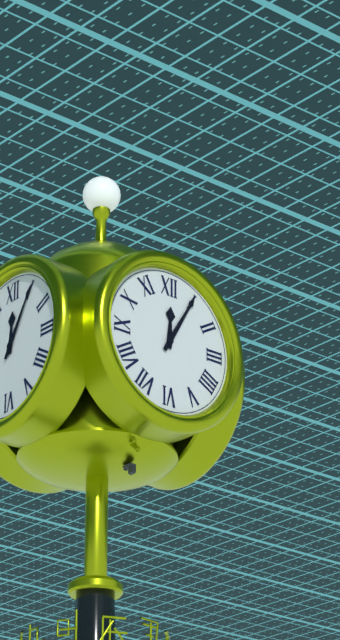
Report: 12:05
